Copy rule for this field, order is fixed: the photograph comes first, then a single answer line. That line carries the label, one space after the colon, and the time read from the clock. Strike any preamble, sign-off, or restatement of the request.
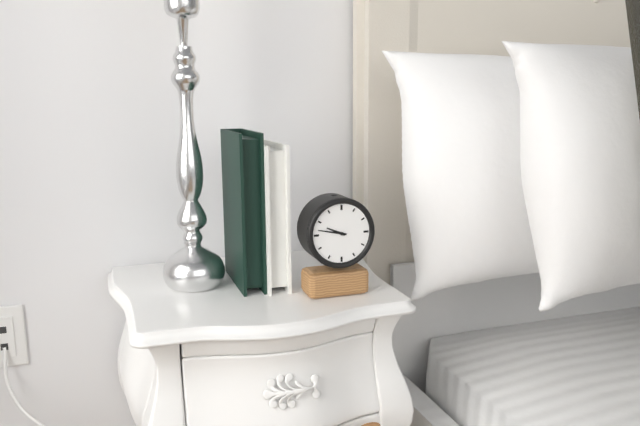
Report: 9:47
